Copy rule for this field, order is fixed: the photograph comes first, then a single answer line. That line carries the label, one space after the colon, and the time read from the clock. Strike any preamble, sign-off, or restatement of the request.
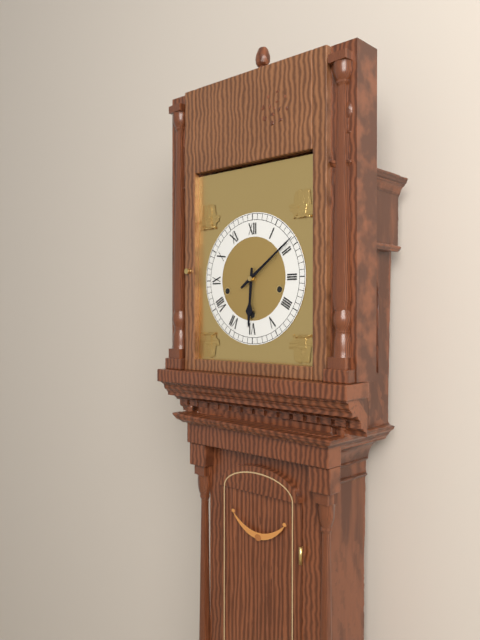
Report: 6:09
